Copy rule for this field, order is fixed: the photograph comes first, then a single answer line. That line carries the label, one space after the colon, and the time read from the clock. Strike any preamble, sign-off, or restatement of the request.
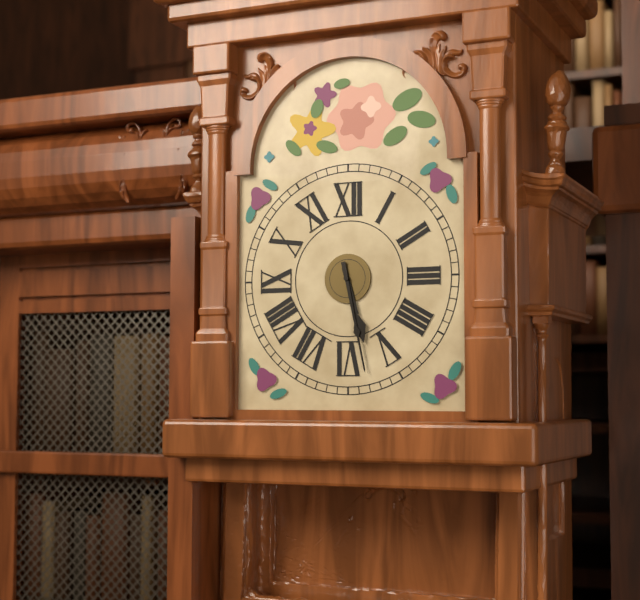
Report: 5:28
